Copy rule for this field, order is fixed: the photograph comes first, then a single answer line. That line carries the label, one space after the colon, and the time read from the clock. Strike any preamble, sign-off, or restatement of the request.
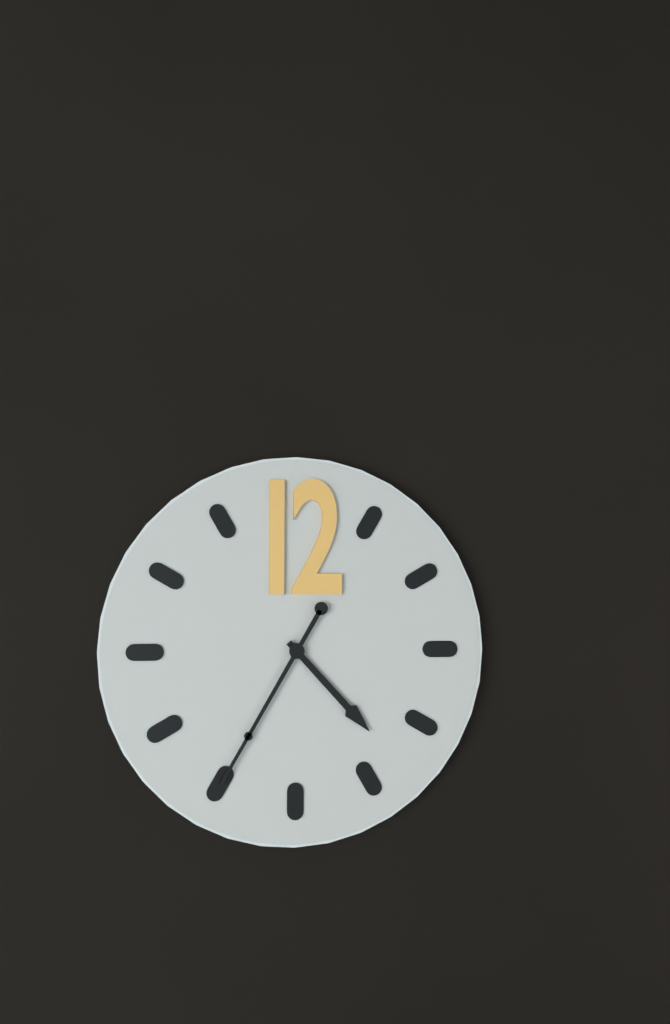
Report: 4:35
